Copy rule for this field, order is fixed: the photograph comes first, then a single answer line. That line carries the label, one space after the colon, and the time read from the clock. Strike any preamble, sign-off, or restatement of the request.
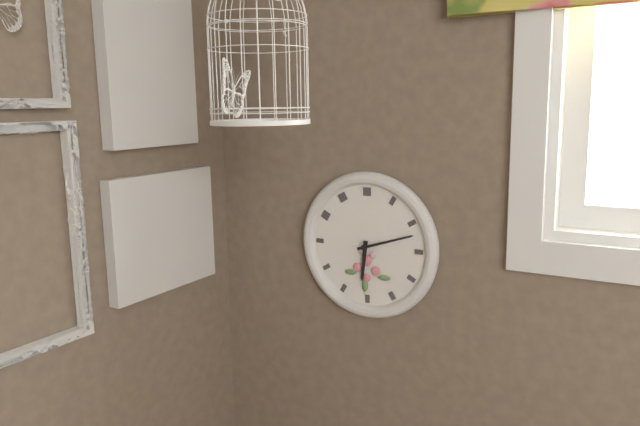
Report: 6:12
